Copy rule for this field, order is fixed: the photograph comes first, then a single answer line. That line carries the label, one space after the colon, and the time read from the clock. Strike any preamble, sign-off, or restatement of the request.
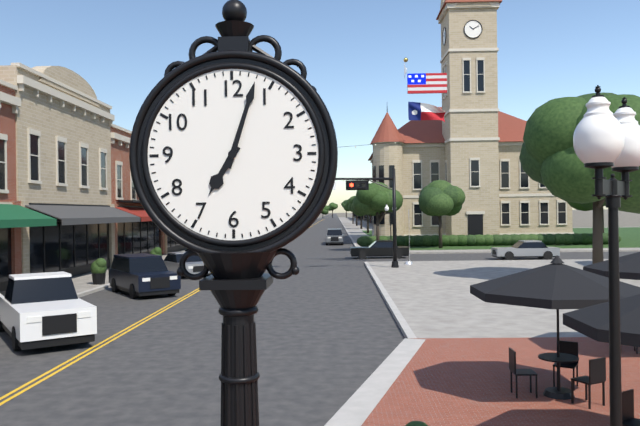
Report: 7:03
